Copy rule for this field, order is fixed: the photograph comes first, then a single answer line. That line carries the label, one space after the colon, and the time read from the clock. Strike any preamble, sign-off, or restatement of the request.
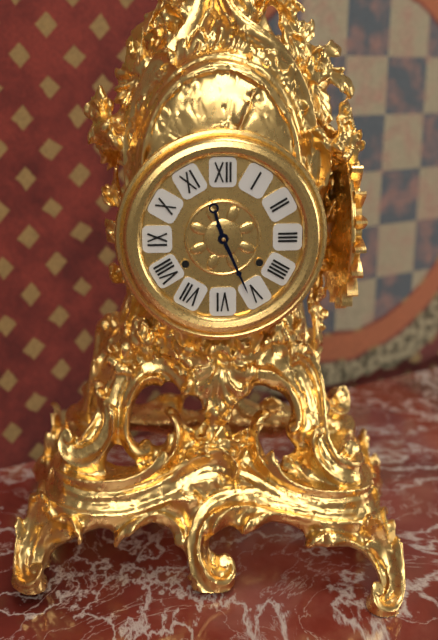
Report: 11:26
